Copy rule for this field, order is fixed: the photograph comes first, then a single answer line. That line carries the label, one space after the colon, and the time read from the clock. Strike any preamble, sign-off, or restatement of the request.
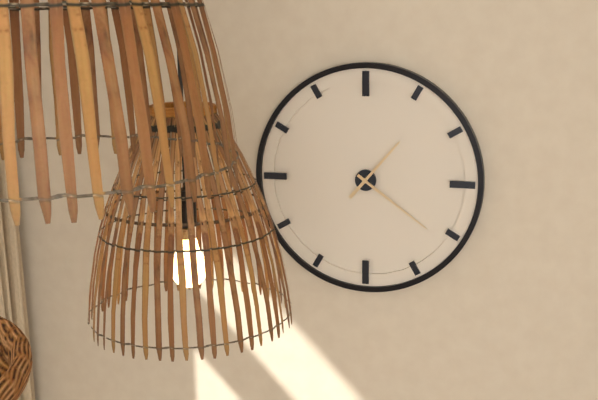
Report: 1:21
